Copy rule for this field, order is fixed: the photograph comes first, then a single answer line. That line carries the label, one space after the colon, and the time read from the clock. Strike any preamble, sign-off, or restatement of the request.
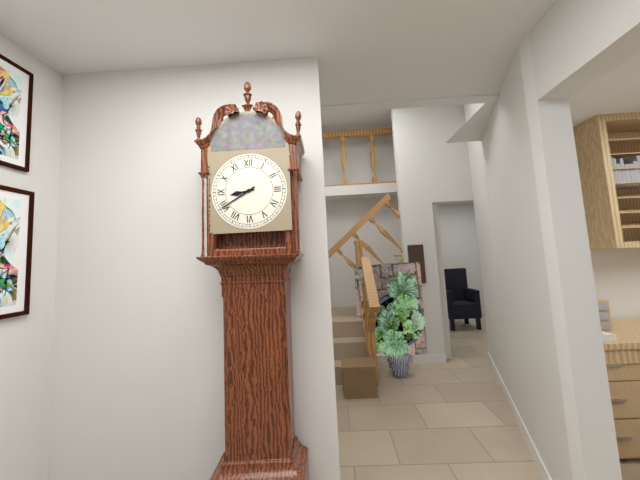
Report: 8:40
